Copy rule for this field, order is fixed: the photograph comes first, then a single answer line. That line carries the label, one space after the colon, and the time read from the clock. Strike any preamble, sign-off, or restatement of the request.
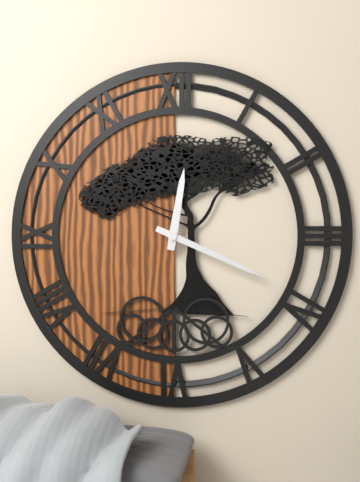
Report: 12:19
